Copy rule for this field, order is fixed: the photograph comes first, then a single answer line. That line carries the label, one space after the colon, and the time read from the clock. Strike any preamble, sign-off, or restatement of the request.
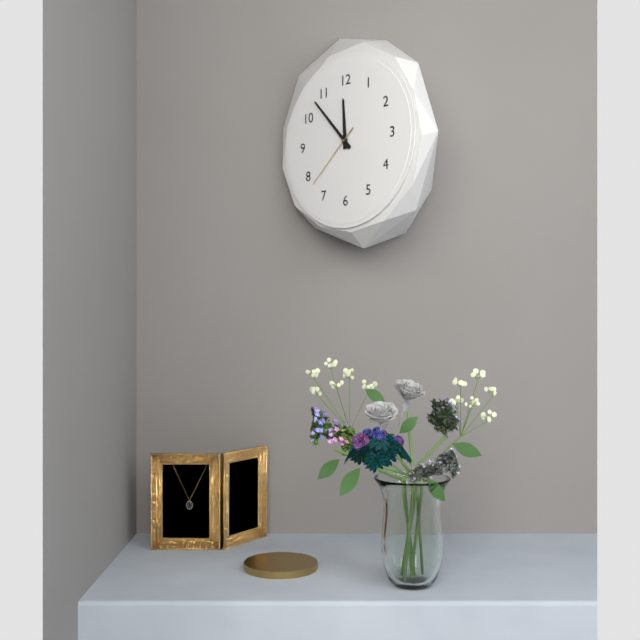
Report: 11:53:38
